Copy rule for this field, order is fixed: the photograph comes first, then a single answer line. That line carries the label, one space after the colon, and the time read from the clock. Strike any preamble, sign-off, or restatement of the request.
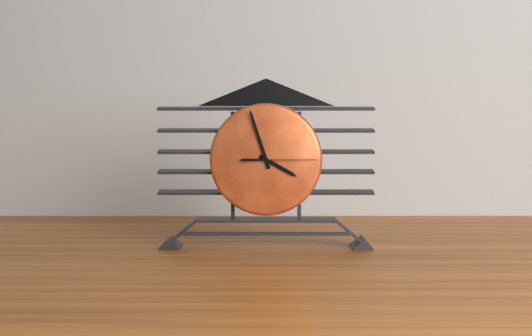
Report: 3:57:15
